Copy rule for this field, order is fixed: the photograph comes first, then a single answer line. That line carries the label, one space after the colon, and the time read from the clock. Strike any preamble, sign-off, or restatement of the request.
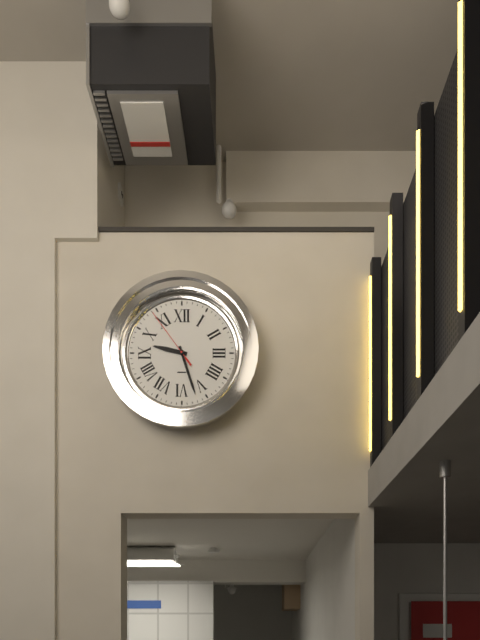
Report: 9:27:54
